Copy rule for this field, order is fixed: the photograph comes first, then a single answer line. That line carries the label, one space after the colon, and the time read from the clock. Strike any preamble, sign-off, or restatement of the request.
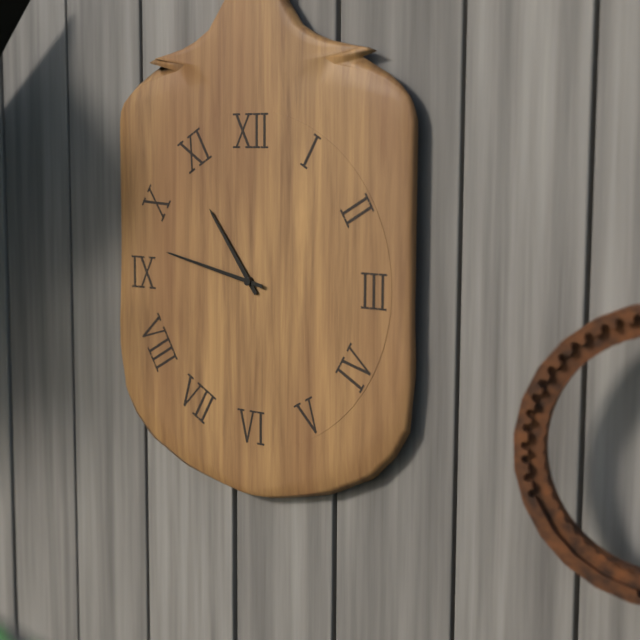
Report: 10:47
